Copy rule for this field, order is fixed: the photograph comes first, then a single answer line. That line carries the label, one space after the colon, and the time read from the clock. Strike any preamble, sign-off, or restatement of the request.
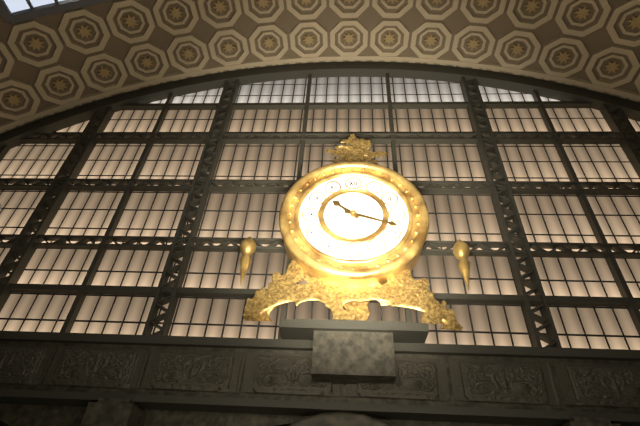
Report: 10:18
